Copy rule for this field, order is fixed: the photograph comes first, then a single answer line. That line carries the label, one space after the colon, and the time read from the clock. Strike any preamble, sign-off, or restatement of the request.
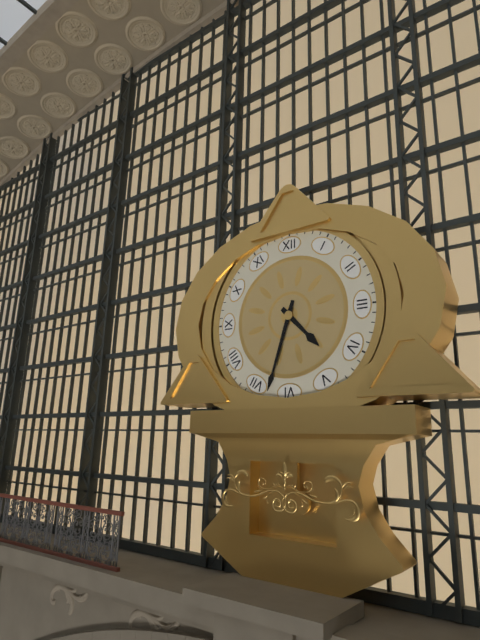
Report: 4:33
